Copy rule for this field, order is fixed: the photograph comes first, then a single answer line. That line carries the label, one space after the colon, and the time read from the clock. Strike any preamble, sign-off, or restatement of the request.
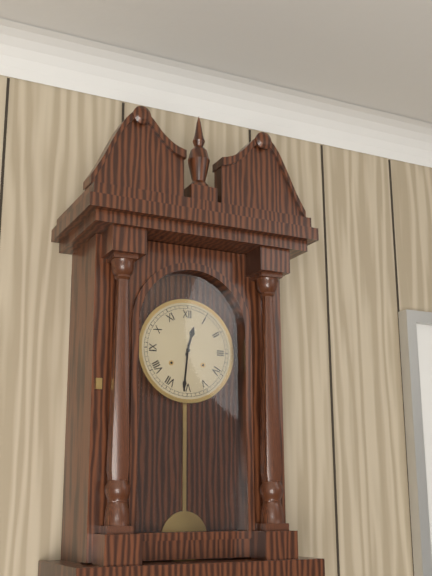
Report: 12:31
